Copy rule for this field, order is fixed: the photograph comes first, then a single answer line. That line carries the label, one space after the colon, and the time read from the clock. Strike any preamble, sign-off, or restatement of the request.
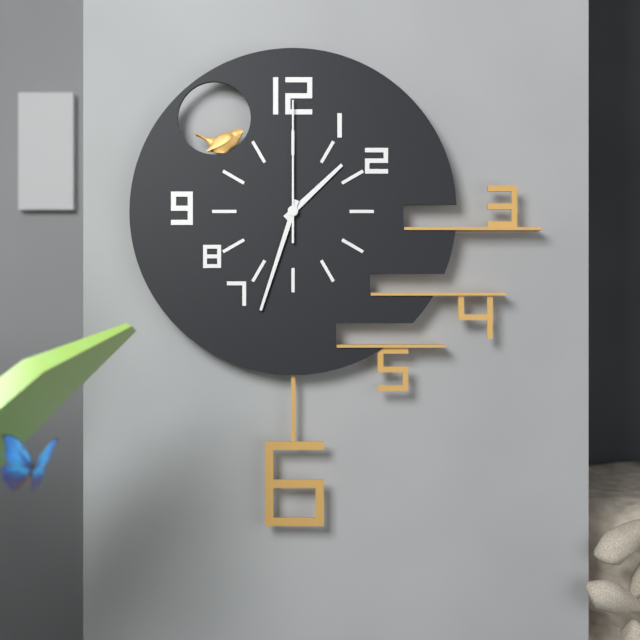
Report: 1:33:00
